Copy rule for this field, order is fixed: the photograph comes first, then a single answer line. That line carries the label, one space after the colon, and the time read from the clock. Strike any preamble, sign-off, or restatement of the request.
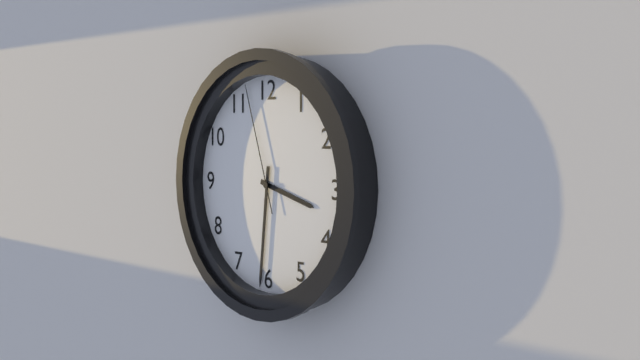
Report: 3:31:57
